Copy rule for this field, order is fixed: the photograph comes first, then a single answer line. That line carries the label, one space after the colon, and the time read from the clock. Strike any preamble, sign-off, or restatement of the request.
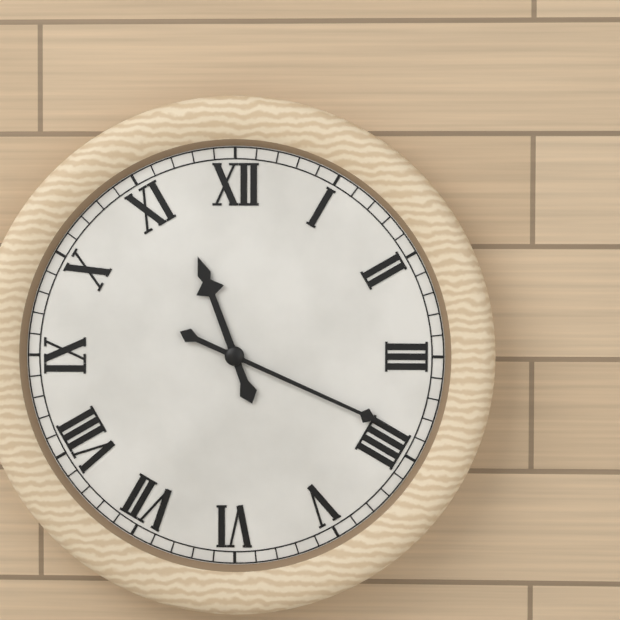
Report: 11:19
